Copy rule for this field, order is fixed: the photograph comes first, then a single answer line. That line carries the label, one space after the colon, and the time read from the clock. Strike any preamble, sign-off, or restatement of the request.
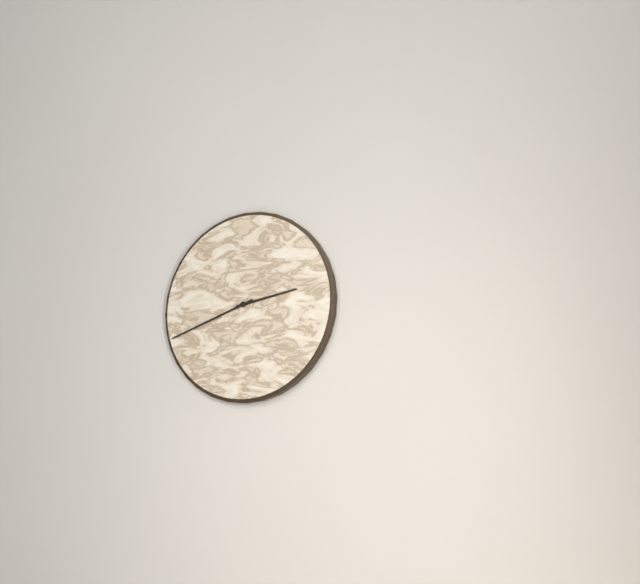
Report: 2:42
